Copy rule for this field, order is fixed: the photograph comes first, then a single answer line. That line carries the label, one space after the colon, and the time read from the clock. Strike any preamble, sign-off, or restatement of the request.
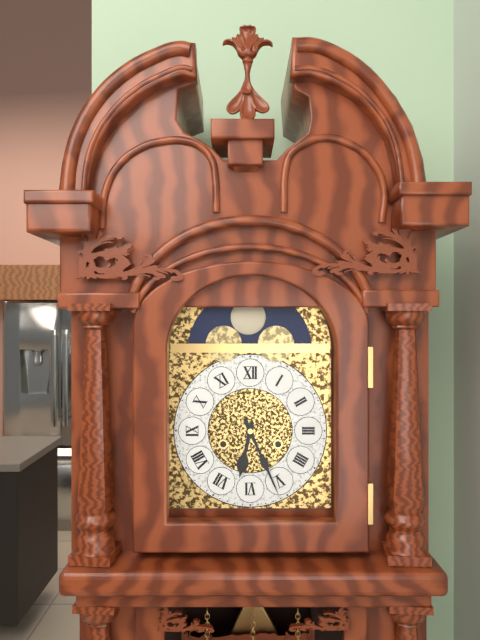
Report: 6:26
